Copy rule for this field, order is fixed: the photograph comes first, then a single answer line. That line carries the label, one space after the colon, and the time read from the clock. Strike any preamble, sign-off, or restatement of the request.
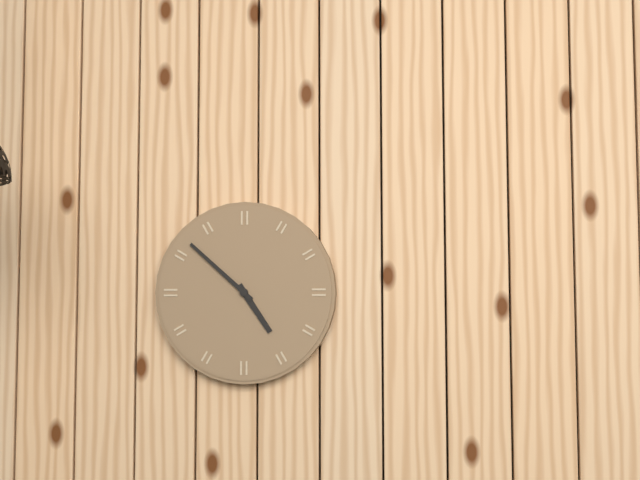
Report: 4:52
